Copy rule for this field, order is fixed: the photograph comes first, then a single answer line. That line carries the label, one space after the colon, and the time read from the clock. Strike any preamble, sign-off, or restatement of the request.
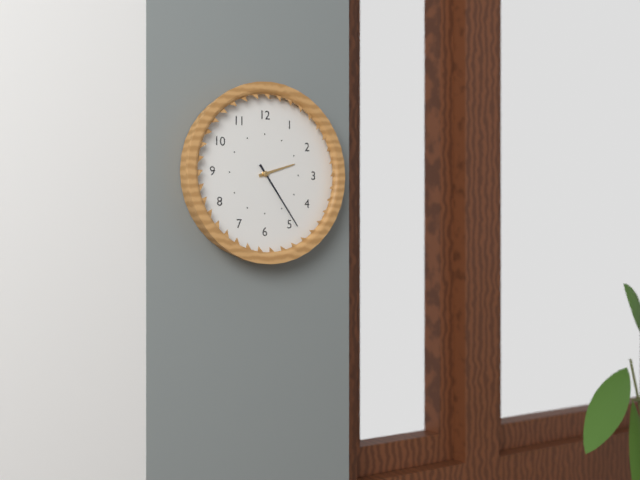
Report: 2:24
